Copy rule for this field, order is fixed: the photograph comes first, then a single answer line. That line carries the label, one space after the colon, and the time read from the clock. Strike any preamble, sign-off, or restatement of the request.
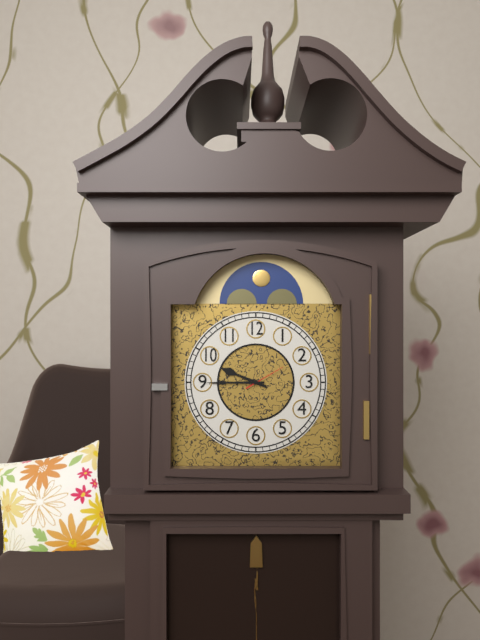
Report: 9:45
